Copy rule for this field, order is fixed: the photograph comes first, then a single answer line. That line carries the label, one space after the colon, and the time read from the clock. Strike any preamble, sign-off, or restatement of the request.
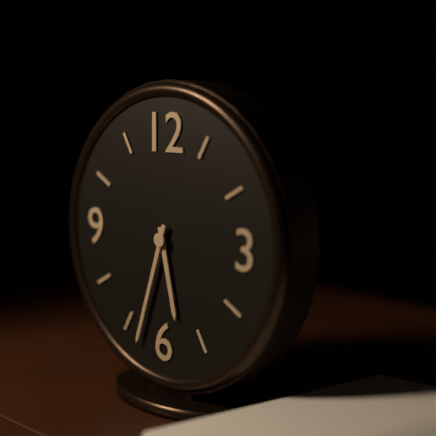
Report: 5:33
